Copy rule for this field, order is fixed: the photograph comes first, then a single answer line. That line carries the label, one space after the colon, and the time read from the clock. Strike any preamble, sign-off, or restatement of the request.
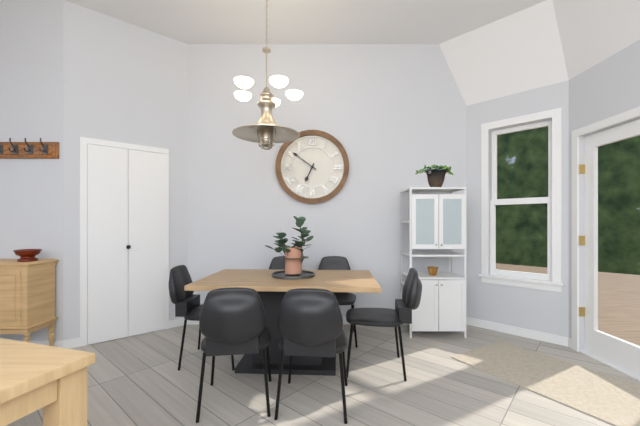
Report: 6:51
